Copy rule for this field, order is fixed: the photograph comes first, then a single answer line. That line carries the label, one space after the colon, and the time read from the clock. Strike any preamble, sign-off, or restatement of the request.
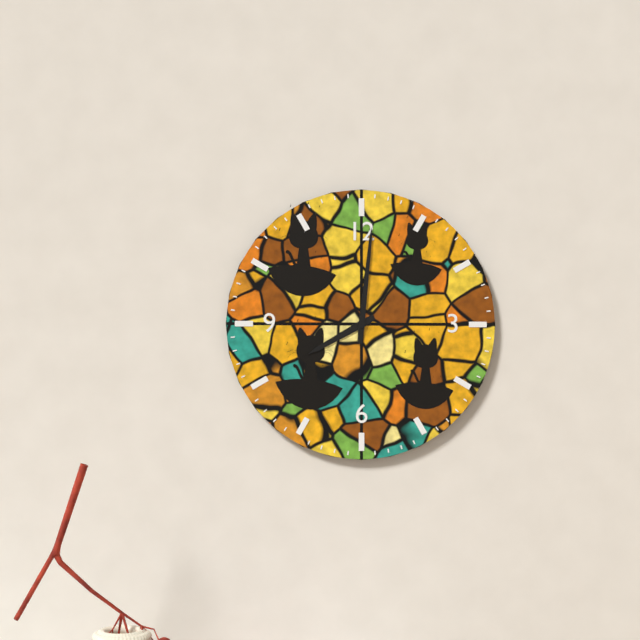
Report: 8:01
